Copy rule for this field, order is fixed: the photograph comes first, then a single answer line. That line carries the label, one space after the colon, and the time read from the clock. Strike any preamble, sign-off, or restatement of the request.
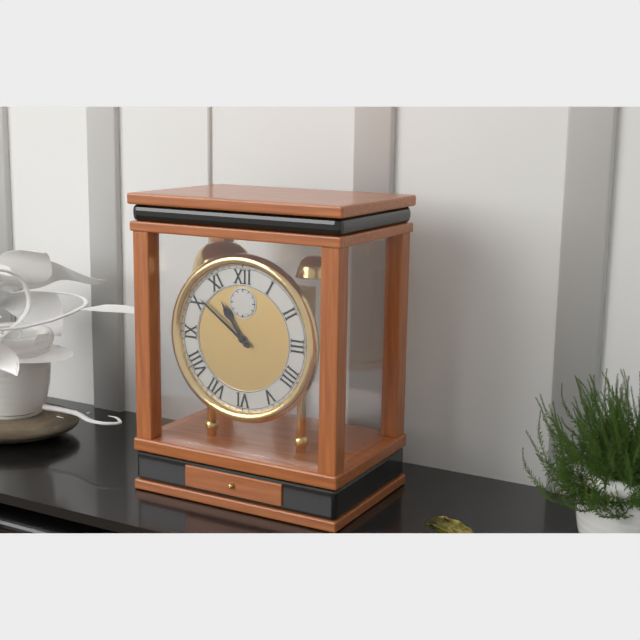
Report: 10:51
